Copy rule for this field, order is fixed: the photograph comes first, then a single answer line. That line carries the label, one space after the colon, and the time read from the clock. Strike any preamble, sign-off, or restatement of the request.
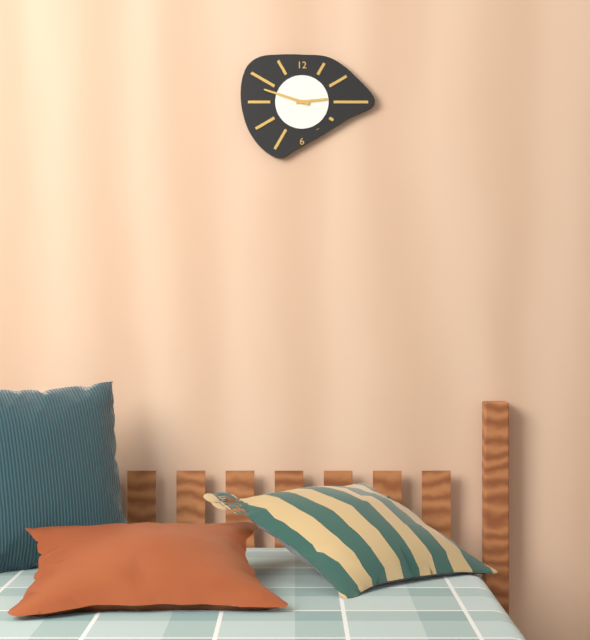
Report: 2:48
